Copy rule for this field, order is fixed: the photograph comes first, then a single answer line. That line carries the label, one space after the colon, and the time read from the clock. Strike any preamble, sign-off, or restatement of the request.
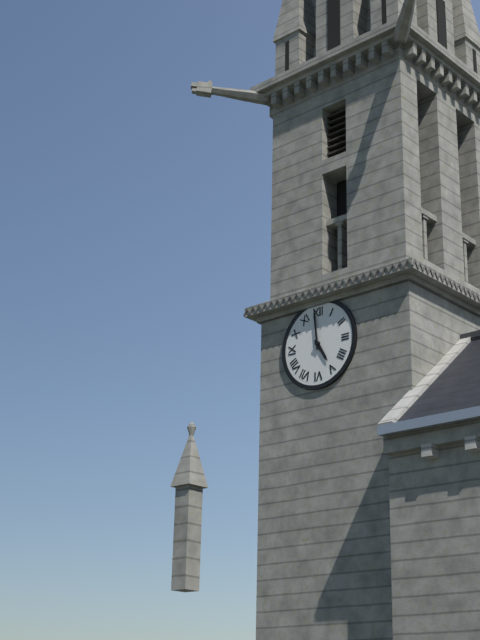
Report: 4:59
